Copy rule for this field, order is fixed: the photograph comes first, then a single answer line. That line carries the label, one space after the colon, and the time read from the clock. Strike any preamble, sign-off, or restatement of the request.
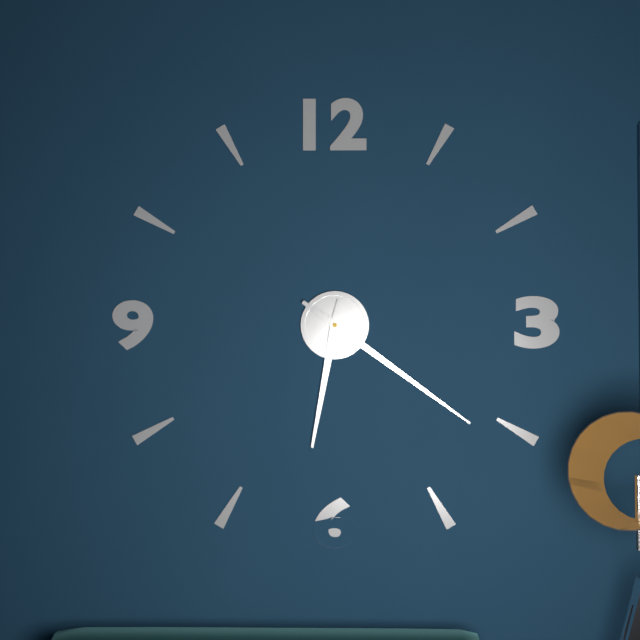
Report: 6:21
